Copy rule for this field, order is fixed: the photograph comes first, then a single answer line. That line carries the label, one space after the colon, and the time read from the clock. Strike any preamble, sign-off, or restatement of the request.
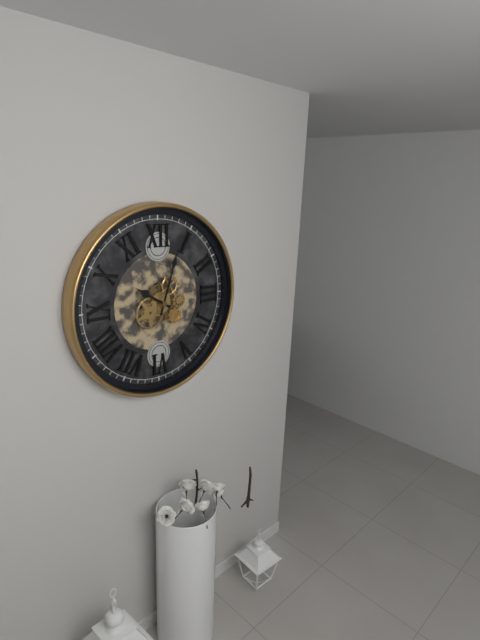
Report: 10:03
